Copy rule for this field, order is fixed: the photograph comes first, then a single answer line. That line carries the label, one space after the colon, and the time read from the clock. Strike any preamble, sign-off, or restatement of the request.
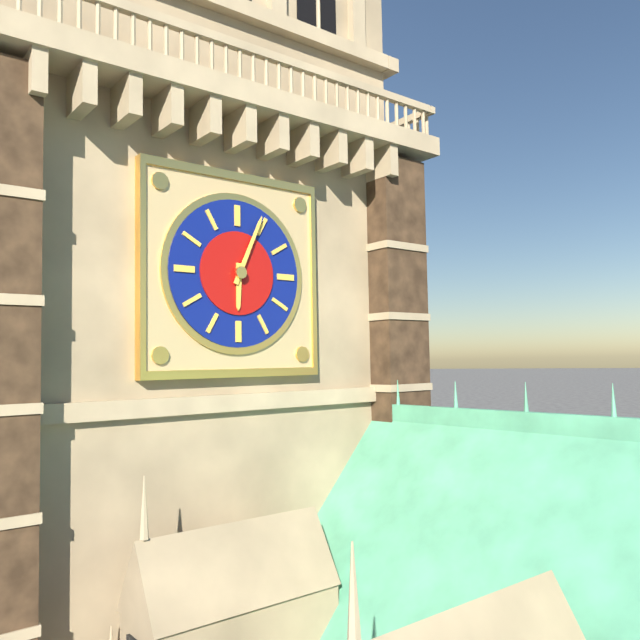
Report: 6:04
